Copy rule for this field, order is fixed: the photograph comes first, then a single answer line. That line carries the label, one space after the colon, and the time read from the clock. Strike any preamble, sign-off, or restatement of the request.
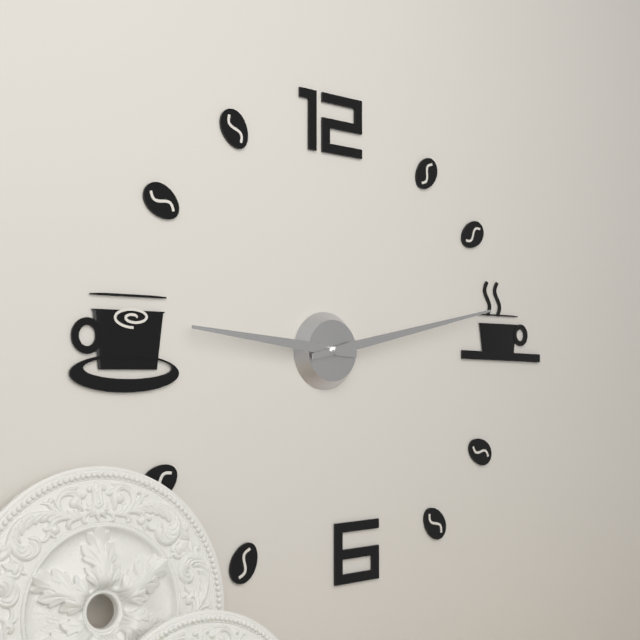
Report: 9:13
